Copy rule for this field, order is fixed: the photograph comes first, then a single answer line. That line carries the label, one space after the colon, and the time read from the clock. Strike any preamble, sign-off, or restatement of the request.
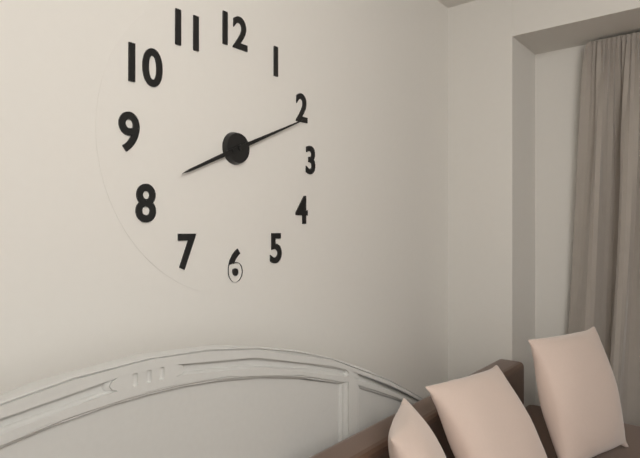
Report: 8:11
